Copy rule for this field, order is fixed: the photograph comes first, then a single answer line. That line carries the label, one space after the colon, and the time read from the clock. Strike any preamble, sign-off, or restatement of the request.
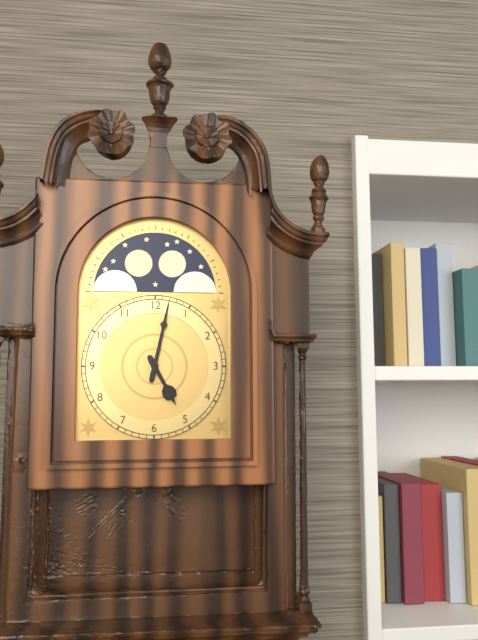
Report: 5:02
